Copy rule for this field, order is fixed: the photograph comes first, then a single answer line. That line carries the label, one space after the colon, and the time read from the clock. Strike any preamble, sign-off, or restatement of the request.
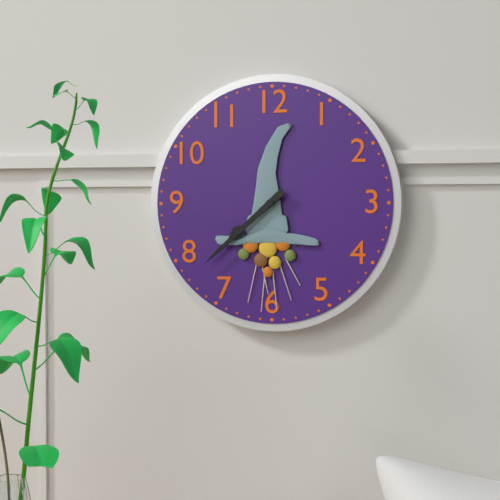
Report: 7:38
